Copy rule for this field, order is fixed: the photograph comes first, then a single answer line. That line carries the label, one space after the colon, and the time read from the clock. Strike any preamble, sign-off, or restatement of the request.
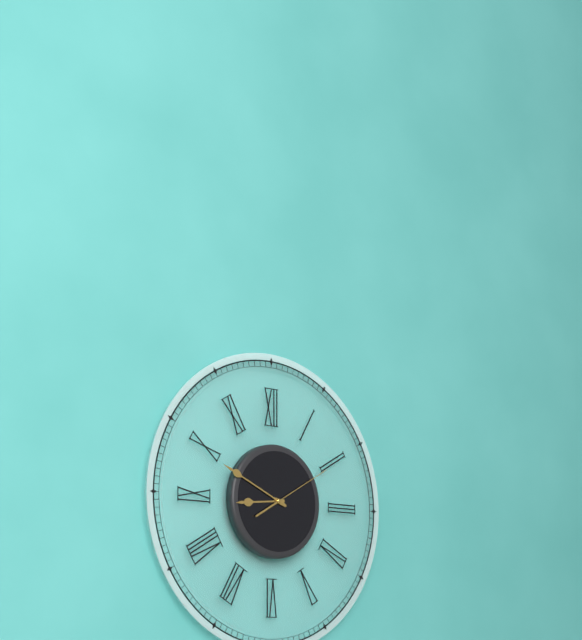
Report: 8:49:10
